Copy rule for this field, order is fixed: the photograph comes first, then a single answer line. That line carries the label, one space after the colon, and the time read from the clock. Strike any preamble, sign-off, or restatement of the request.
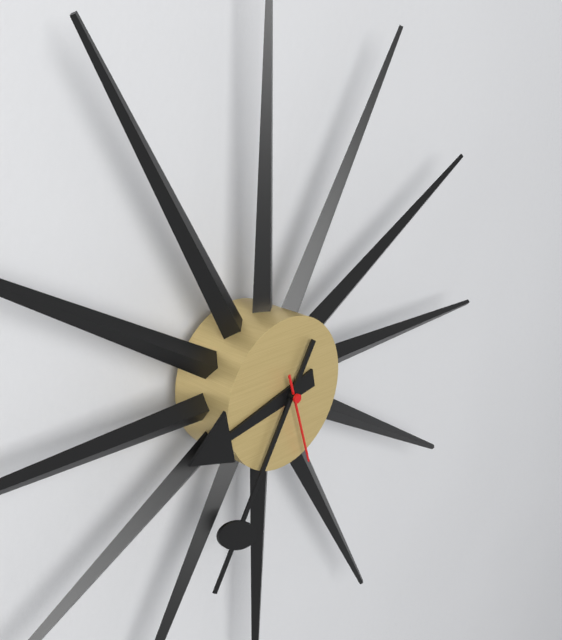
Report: 8:35:27
